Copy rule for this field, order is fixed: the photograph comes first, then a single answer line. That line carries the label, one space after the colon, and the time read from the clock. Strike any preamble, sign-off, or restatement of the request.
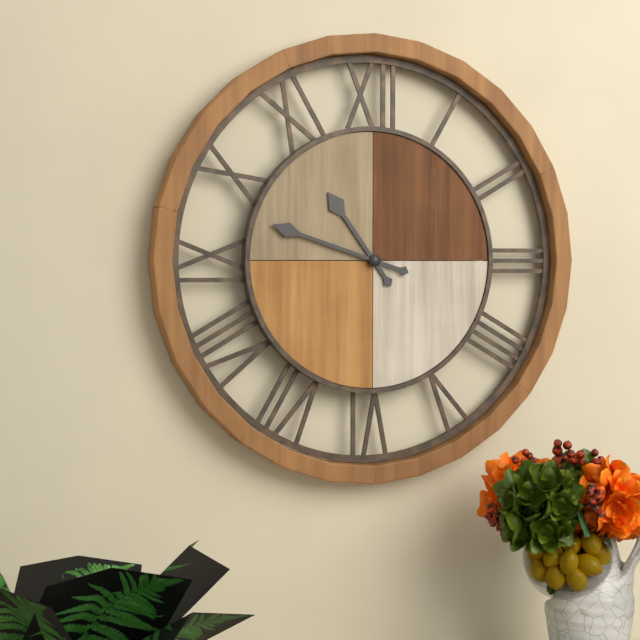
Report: 10:48
